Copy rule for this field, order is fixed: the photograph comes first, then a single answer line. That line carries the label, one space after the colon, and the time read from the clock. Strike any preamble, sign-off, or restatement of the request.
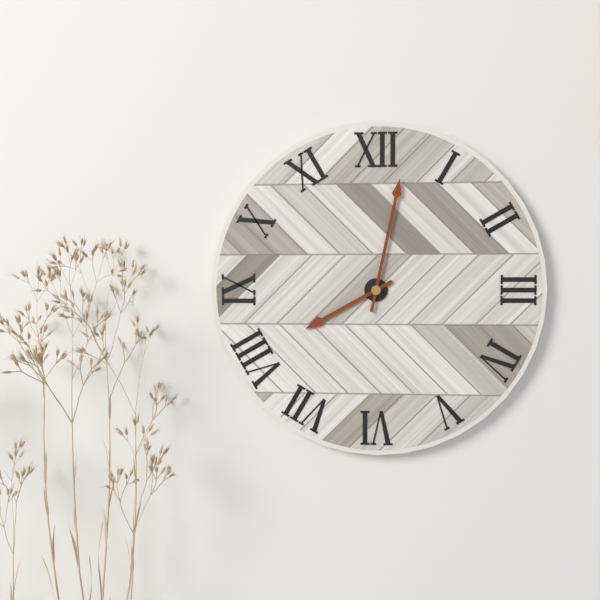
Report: 8:02
